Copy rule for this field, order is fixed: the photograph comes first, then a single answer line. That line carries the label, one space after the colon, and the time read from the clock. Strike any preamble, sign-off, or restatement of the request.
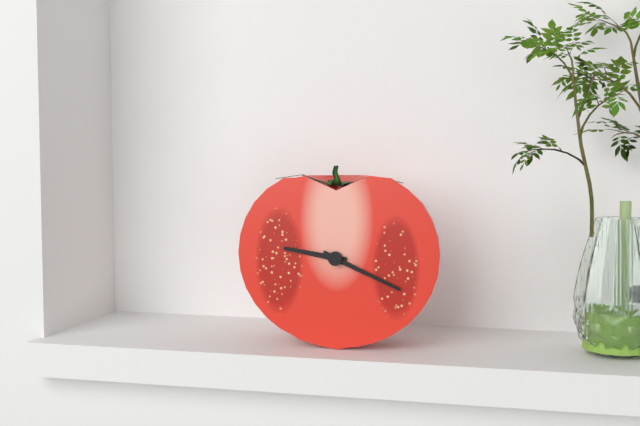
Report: 9:19
